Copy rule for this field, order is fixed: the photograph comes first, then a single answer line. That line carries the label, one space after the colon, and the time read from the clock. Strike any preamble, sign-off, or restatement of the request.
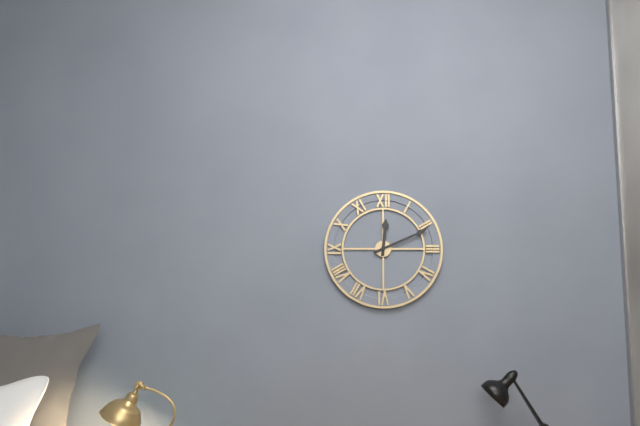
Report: 12:11
